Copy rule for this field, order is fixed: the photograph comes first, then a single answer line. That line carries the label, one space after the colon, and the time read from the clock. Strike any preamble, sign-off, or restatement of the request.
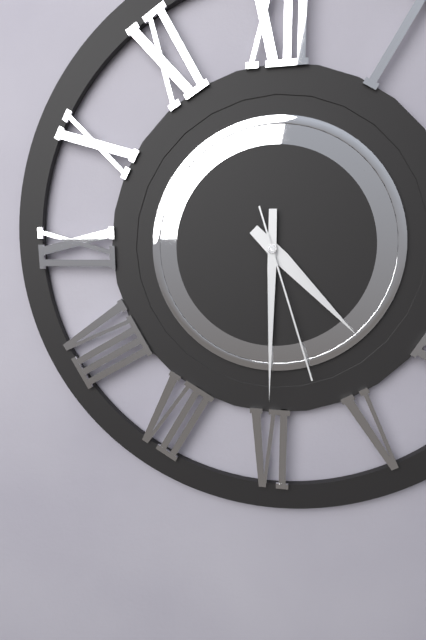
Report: 4:30:27
